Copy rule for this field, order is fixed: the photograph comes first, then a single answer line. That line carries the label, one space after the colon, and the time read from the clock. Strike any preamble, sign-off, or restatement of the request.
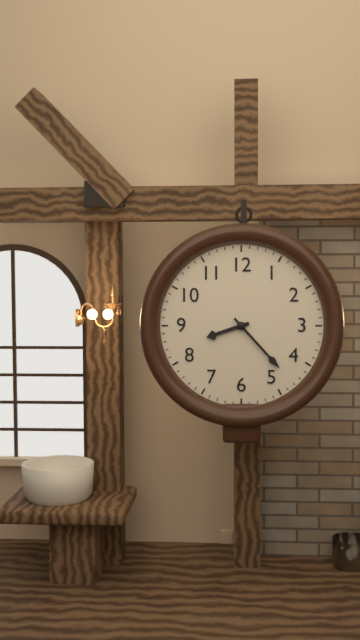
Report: 8:23
